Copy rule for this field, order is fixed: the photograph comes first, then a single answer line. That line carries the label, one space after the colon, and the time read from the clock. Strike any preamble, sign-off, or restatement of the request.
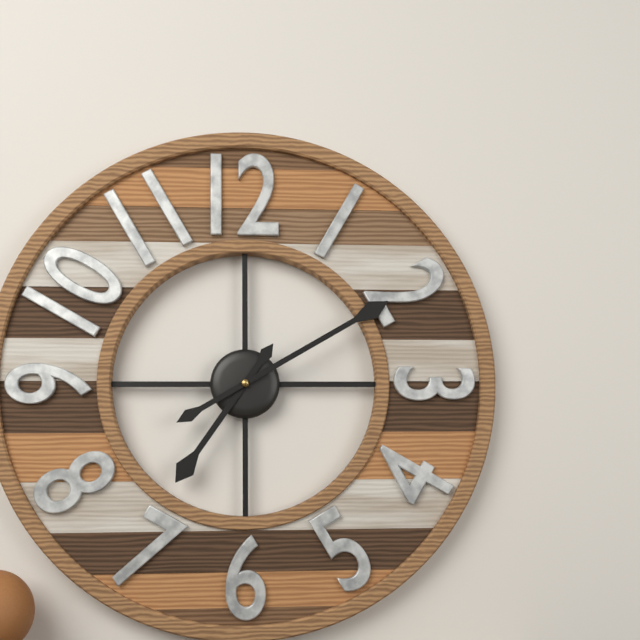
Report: 7:10
